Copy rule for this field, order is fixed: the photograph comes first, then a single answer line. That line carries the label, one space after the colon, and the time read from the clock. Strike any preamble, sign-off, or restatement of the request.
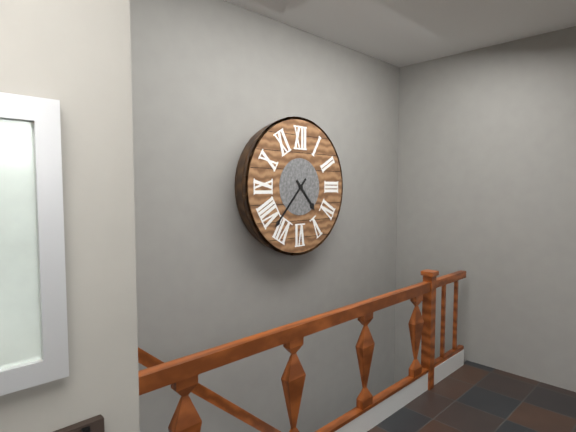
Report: 4:37
